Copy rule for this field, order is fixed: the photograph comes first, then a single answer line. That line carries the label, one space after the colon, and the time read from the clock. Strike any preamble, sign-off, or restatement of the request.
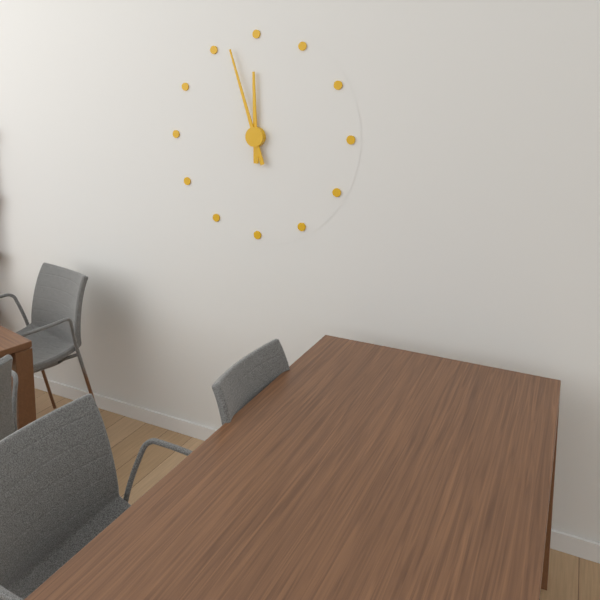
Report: 11:57
